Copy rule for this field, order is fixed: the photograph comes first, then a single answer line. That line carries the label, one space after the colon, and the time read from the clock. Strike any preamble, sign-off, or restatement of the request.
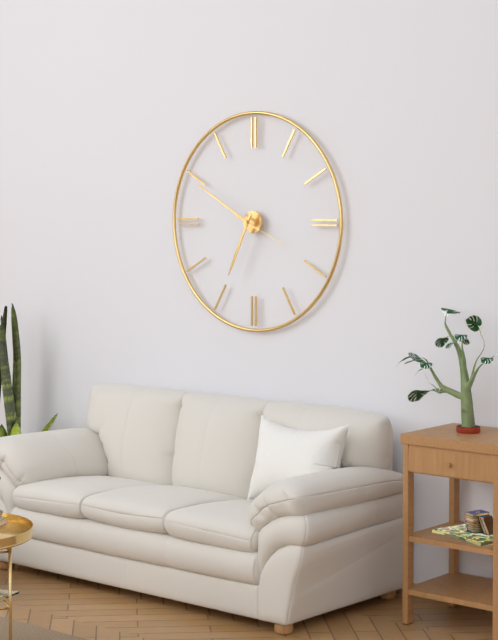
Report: 6:50:19
